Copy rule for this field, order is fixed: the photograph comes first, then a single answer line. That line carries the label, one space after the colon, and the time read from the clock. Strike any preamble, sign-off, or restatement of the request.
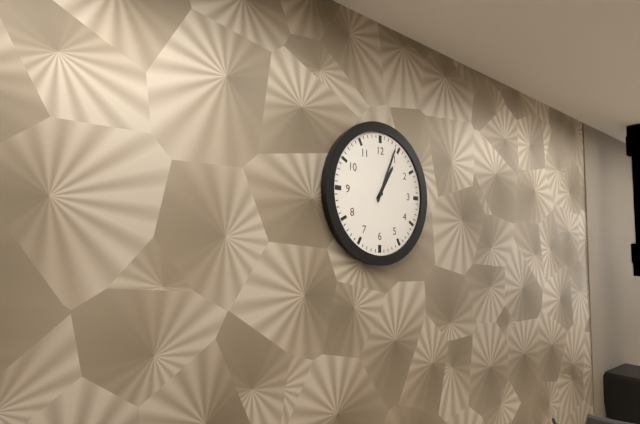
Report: 1:04
